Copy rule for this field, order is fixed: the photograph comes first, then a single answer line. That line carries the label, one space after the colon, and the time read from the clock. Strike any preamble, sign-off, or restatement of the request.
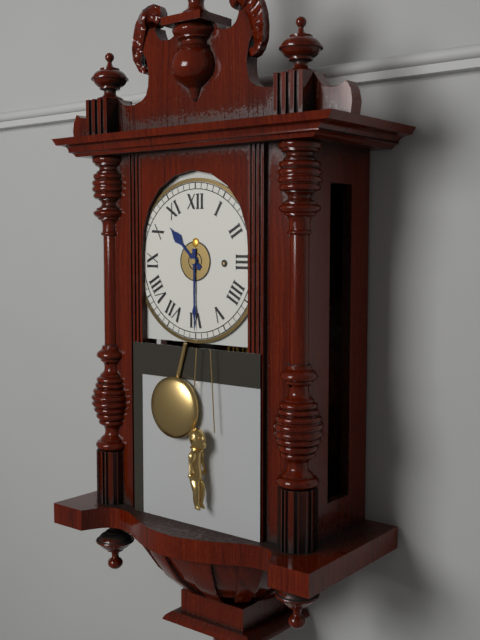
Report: 10:30
